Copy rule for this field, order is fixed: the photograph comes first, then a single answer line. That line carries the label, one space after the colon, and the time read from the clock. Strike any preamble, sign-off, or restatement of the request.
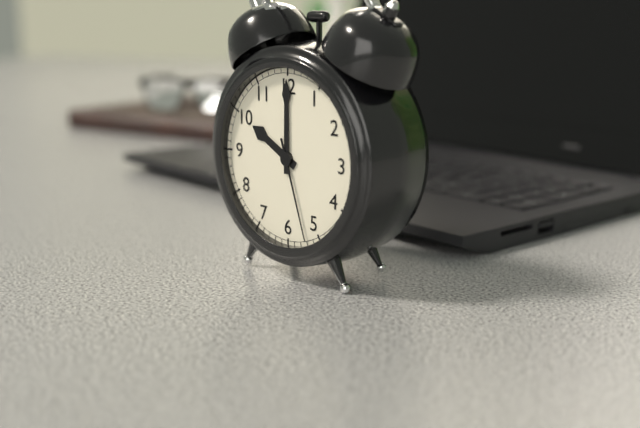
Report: 10:00:27
